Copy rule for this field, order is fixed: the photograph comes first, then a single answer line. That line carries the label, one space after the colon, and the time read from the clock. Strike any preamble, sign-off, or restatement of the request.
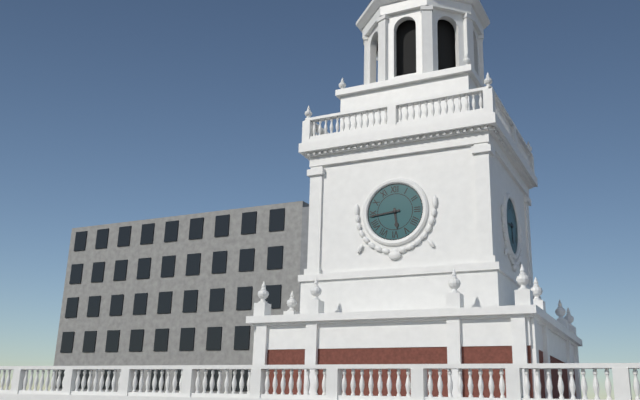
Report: 5:44
